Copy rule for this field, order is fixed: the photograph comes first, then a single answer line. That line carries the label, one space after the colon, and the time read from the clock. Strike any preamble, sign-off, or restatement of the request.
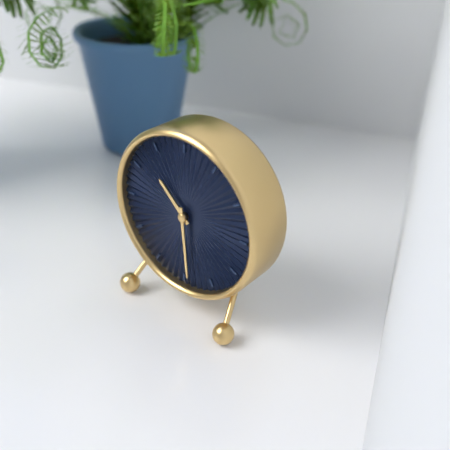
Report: 10:29
